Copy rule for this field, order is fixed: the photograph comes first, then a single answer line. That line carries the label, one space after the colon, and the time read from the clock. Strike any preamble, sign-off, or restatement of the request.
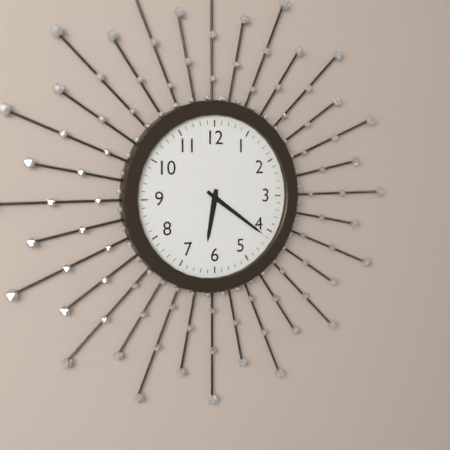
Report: 6:21
